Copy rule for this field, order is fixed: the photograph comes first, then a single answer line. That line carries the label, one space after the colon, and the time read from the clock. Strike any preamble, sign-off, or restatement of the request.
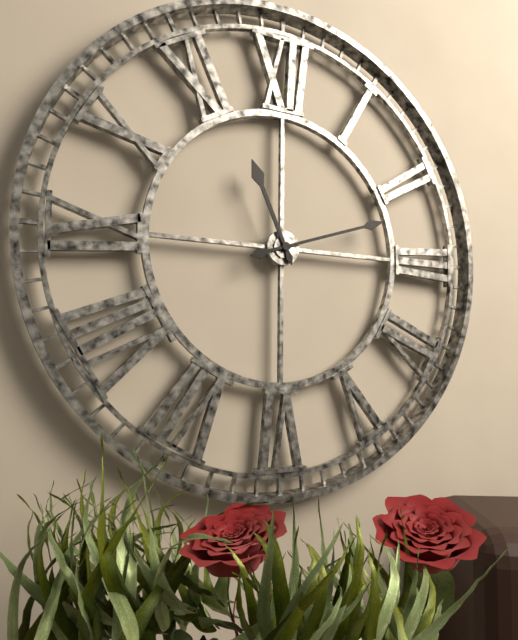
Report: 11:12
